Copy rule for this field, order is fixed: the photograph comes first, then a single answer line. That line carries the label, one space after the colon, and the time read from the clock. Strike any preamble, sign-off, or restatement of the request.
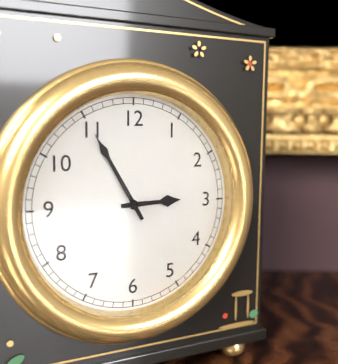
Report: 2:55
